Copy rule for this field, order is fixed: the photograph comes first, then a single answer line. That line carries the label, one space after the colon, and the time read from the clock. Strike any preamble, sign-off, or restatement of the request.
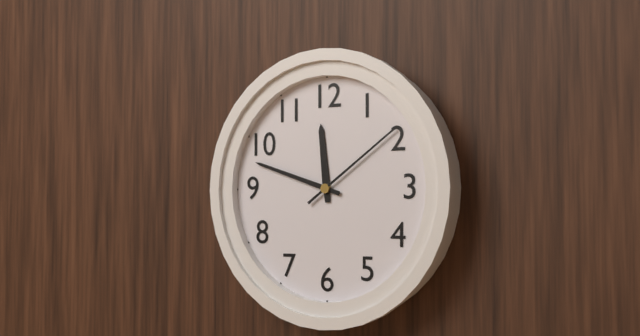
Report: 11:48:09
